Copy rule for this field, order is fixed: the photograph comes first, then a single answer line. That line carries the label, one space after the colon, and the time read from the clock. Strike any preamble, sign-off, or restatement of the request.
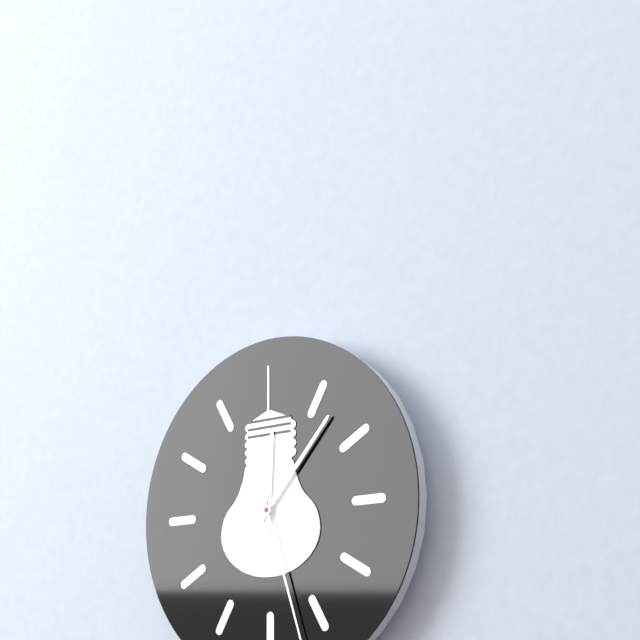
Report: 12:07
